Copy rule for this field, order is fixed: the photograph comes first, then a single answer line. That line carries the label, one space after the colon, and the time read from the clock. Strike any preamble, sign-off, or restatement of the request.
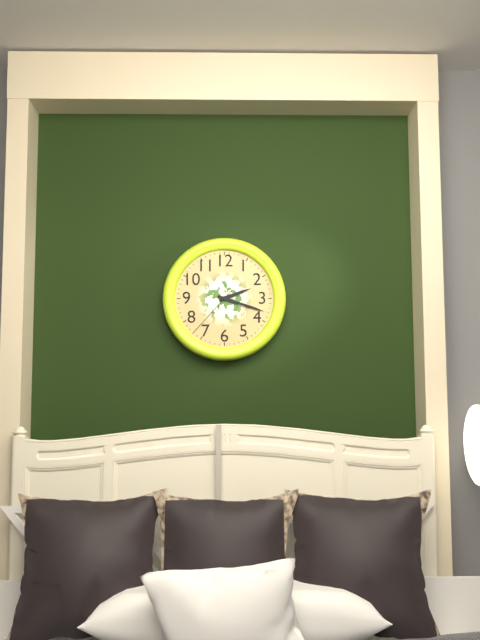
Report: 2:18:37
